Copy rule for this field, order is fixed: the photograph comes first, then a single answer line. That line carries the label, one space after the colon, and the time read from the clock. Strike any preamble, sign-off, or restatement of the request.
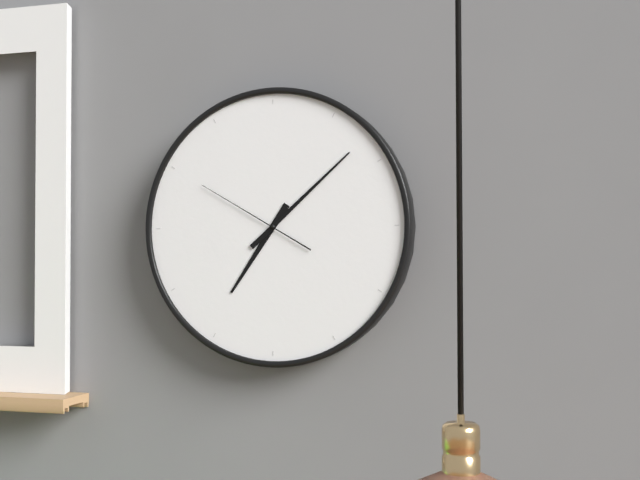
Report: 7:08:50
